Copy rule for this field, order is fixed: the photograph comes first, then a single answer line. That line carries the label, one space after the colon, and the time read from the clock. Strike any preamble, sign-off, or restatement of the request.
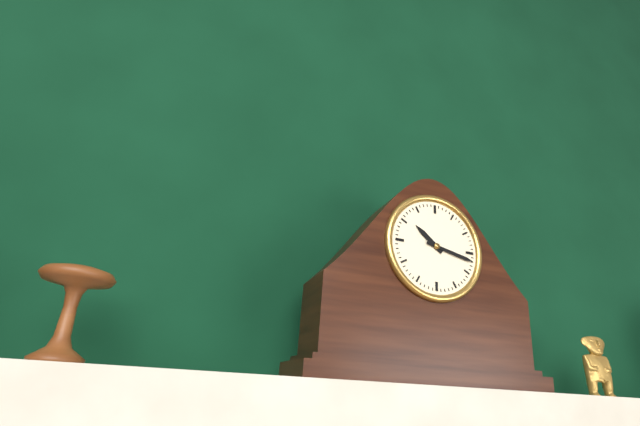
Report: 10:17
